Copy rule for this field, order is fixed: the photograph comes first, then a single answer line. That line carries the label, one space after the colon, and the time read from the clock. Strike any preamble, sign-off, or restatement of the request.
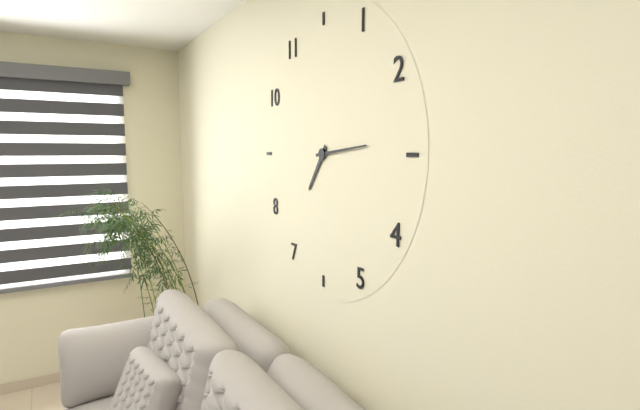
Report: 7:14
